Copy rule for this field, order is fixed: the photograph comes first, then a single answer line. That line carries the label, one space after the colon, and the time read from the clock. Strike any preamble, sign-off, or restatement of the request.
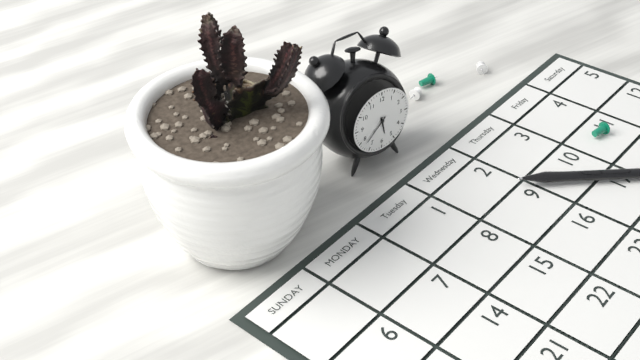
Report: 5:38
